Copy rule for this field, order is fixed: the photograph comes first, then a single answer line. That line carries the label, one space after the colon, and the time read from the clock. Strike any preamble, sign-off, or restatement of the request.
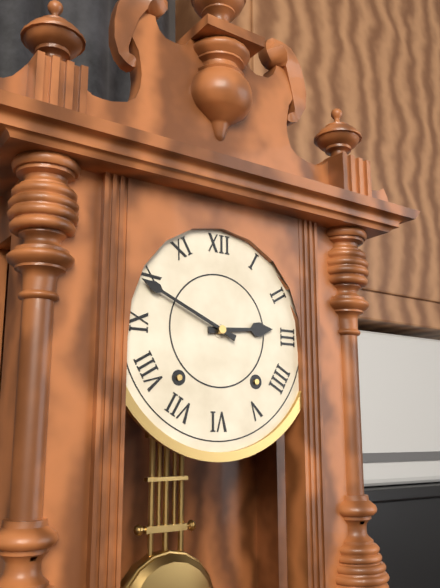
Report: 2:49
